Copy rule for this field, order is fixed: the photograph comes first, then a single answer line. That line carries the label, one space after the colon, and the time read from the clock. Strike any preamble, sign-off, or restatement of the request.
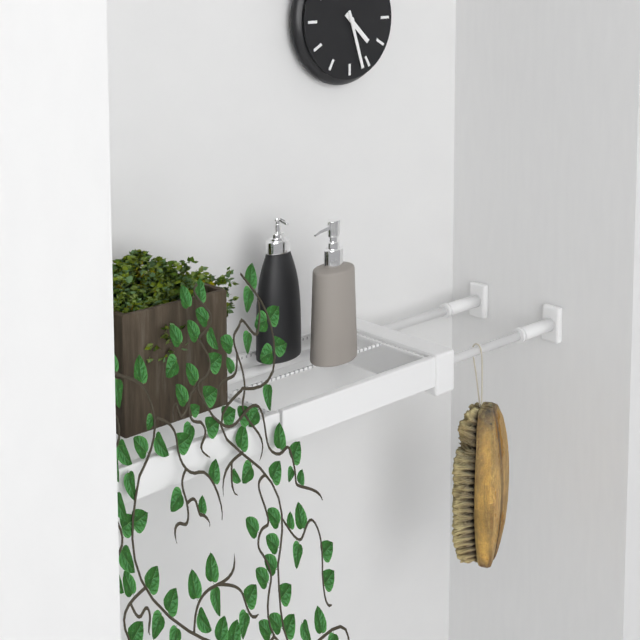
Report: 4:27
